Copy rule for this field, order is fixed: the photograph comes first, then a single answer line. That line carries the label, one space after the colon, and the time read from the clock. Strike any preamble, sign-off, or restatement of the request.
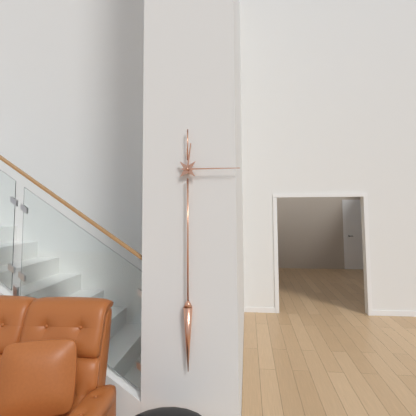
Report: 12:15
